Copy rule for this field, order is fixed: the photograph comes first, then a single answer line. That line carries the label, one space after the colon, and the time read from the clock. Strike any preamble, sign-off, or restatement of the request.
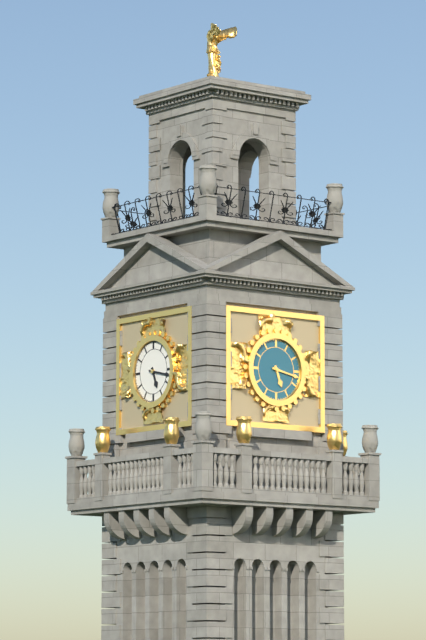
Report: 5:17
